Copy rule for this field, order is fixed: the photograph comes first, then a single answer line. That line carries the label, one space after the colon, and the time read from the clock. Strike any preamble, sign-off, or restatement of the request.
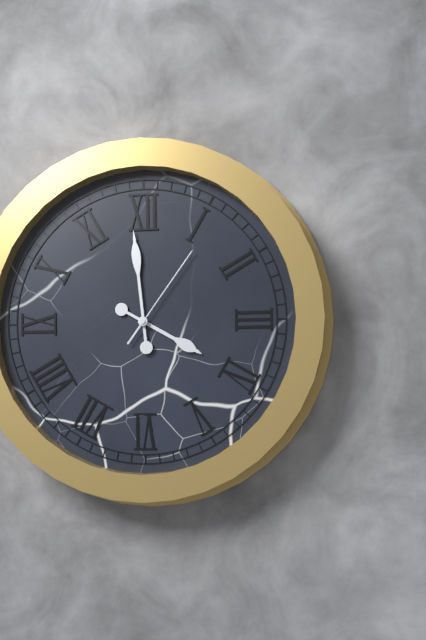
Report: 3:59:06
